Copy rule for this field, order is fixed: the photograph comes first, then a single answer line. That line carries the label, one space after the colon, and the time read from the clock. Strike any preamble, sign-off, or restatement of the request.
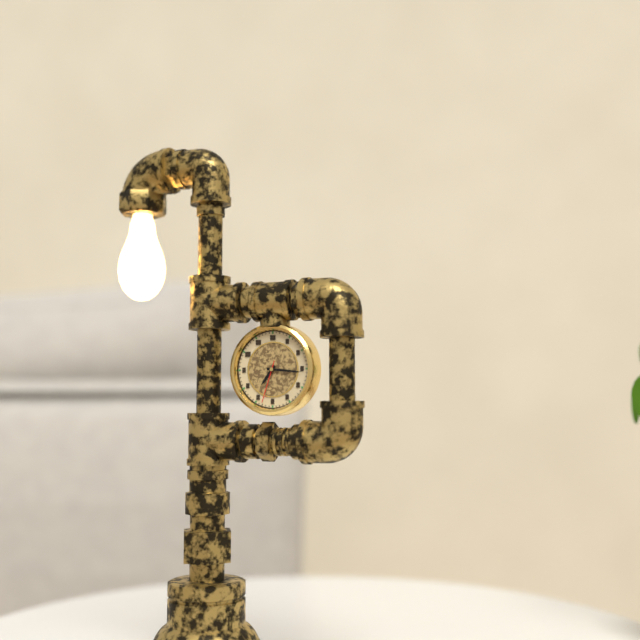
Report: 7:16
